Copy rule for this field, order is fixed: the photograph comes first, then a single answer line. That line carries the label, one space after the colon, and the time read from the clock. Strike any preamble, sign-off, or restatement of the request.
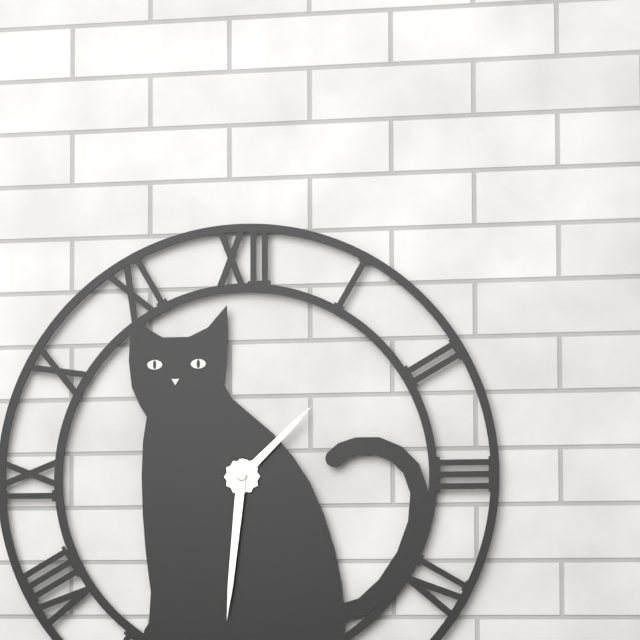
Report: 1:31
